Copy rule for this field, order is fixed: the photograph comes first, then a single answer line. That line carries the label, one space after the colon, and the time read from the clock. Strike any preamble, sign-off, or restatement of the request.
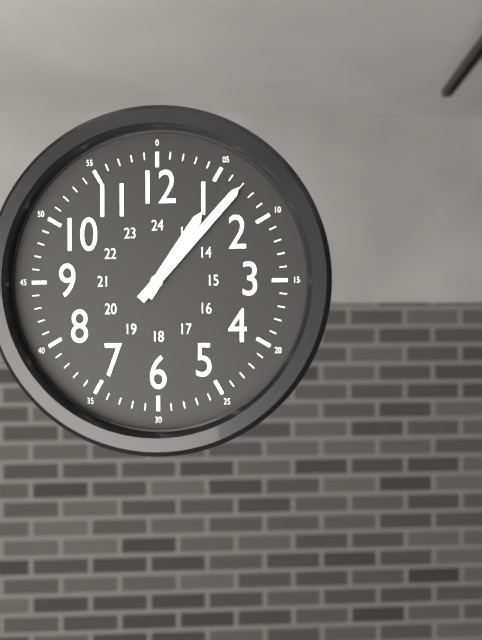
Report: 1:07
